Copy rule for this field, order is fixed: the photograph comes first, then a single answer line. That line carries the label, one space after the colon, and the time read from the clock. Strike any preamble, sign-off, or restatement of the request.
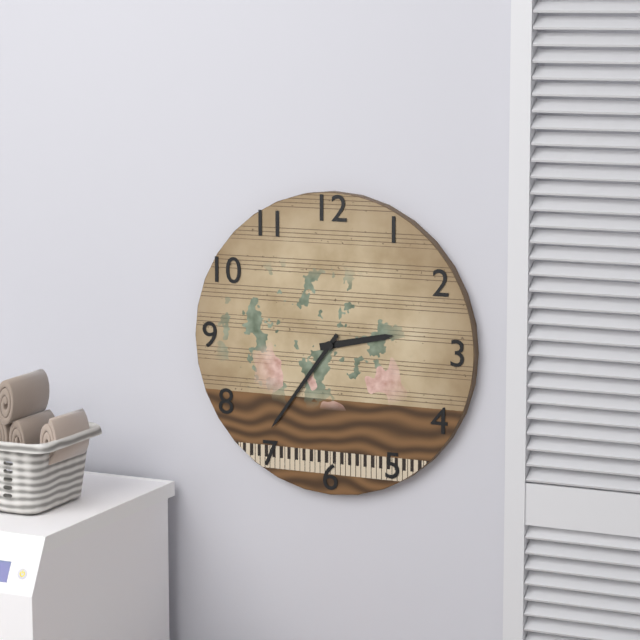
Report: 2:36
